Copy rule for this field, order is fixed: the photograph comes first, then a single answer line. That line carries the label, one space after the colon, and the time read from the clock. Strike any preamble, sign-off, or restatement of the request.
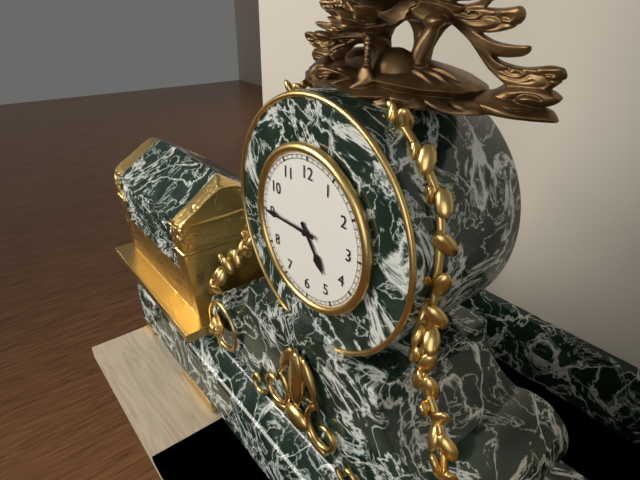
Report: 4:45
